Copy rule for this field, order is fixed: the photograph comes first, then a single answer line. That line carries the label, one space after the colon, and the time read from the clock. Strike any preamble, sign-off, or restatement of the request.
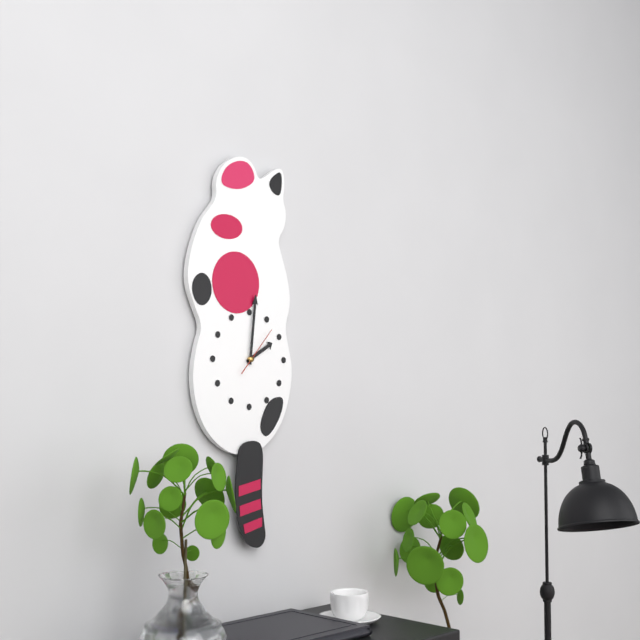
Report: 2:01:07
